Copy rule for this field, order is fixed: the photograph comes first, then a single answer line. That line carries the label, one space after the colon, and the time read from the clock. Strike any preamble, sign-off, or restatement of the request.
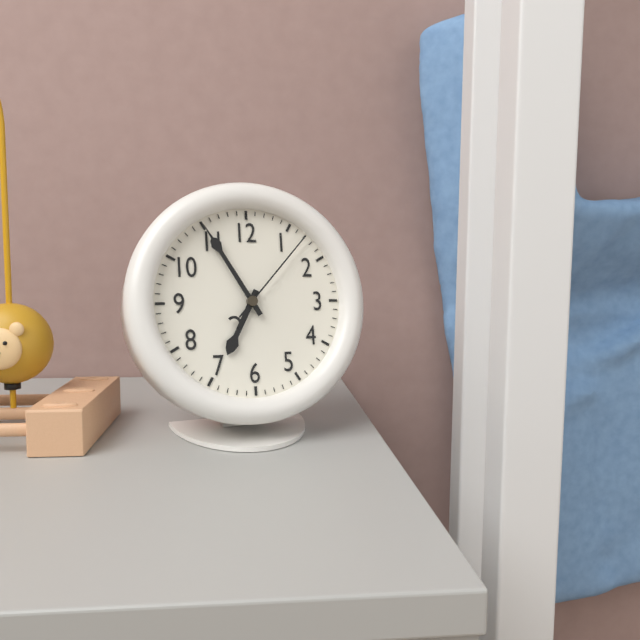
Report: 6:55:07
